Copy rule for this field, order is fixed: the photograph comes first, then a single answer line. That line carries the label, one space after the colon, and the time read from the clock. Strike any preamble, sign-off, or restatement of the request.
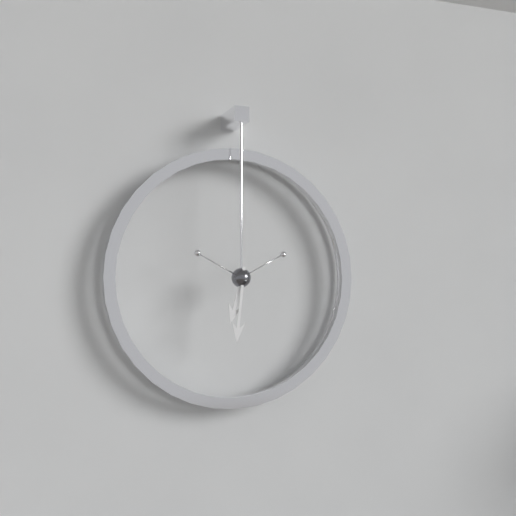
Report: 6:31
